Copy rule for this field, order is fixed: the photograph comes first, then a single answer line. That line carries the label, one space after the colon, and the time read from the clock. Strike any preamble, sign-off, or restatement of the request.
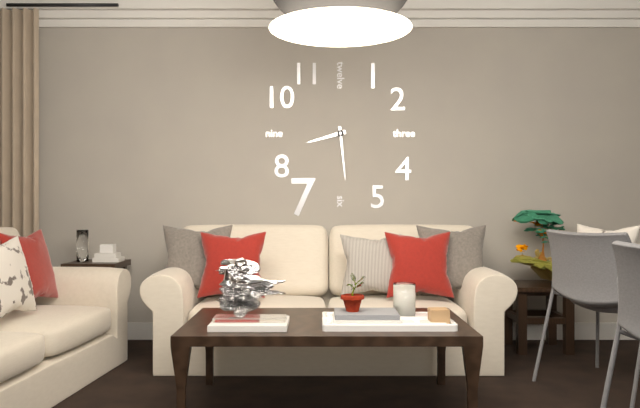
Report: 8:29
